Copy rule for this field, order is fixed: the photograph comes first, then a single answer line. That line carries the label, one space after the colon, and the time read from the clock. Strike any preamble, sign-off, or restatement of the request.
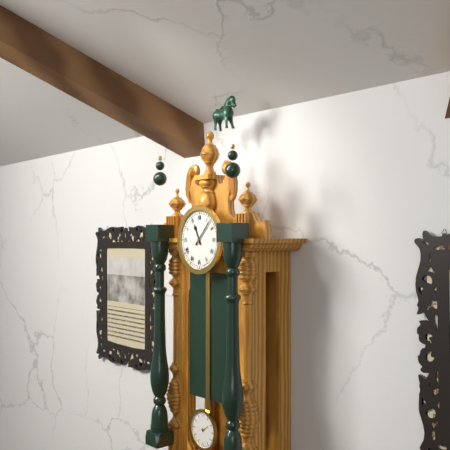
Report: 11:07
